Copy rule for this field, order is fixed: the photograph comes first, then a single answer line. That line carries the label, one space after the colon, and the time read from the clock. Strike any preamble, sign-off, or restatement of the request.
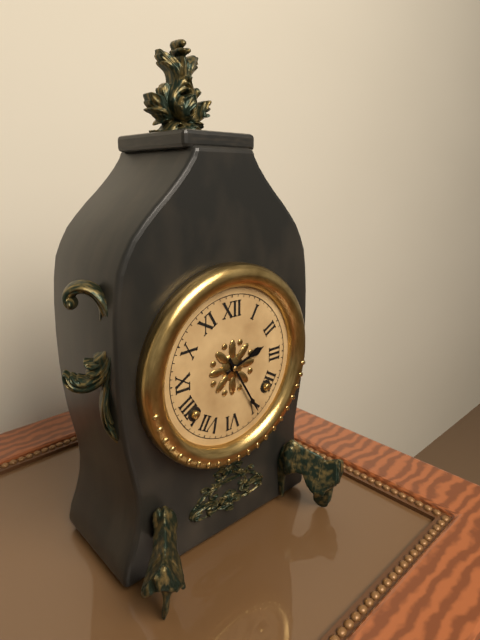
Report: 2:25
